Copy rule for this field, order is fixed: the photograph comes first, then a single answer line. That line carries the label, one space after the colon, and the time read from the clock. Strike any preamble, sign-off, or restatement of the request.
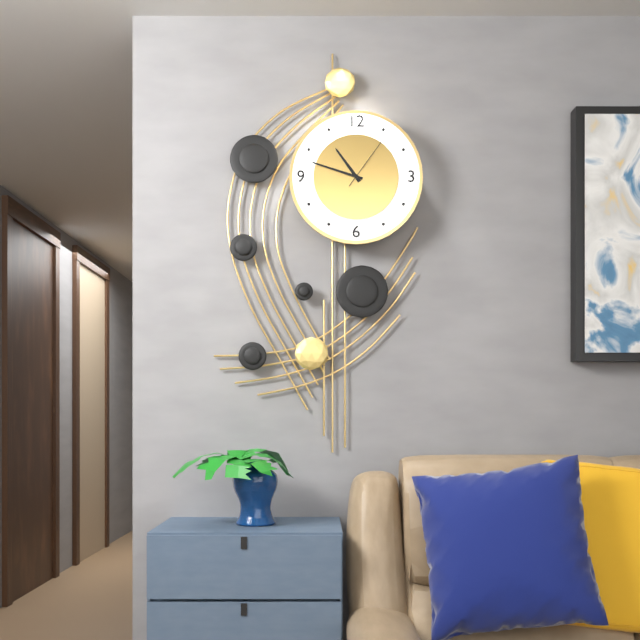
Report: 10:48:06
